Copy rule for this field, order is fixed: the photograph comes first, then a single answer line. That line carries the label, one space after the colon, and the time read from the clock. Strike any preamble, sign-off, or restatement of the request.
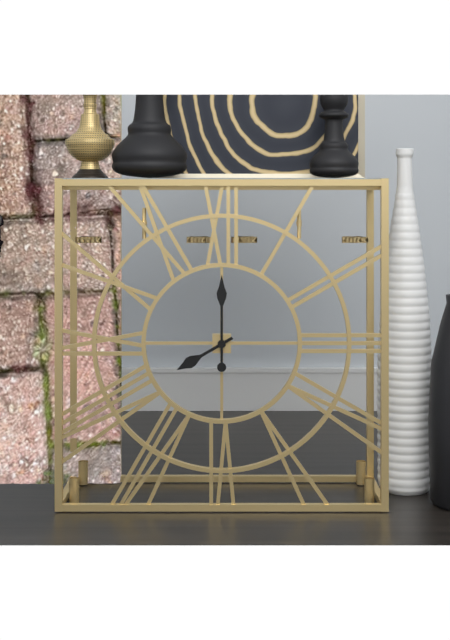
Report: 8:00
